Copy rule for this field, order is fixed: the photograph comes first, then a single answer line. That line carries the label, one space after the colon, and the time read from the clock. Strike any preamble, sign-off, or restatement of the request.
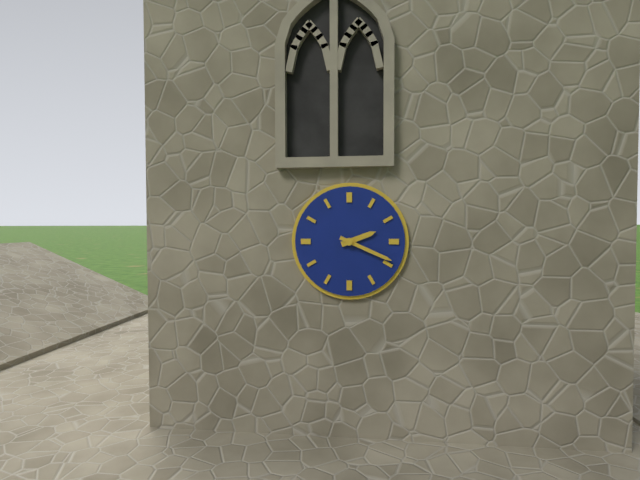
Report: 2:19
